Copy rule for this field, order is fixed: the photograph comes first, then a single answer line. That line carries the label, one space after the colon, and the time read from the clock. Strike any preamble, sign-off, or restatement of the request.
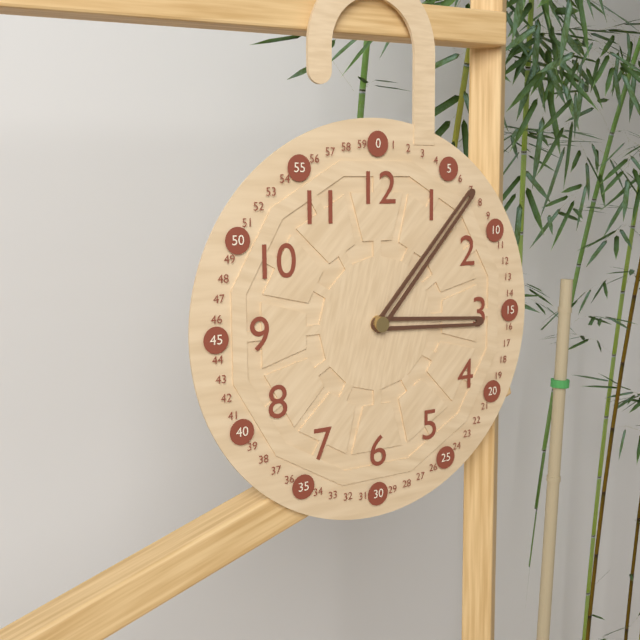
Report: 3:07
